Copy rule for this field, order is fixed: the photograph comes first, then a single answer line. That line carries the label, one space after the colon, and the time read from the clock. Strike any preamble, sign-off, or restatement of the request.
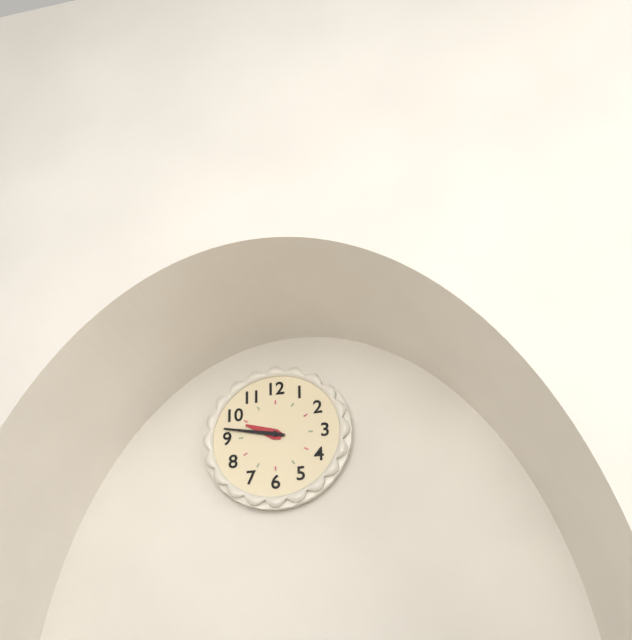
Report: 9:47
